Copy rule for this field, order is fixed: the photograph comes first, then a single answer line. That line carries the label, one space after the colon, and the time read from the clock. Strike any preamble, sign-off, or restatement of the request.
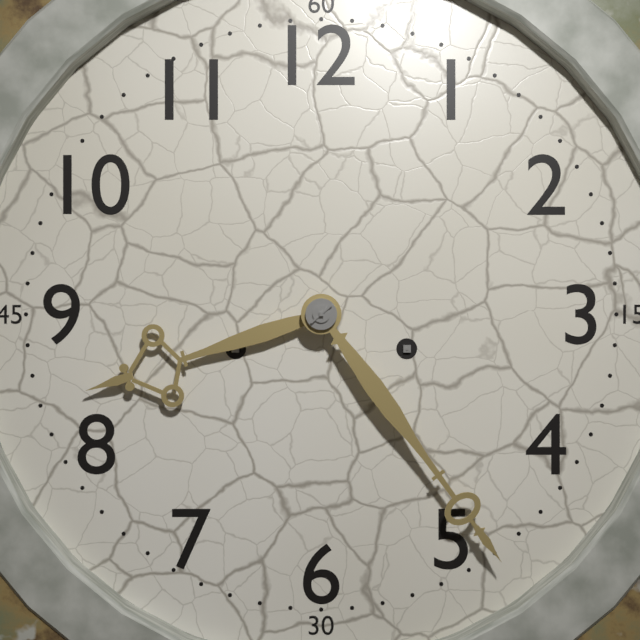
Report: 8:24
